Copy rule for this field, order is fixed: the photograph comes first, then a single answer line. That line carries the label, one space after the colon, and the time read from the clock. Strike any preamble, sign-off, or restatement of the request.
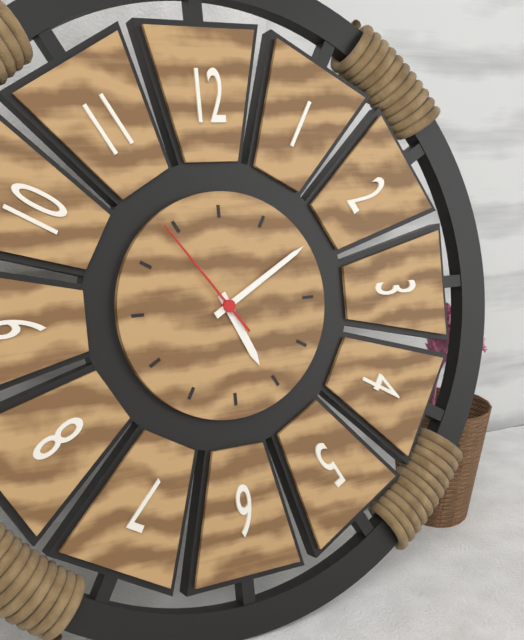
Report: 5:10:54
